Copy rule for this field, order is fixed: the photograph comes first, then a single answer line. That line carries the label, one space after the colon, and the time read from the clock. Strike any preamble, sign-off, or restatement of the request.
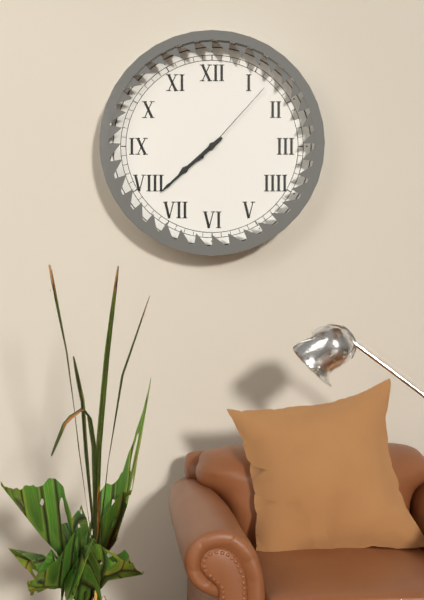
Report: 7:38:07
